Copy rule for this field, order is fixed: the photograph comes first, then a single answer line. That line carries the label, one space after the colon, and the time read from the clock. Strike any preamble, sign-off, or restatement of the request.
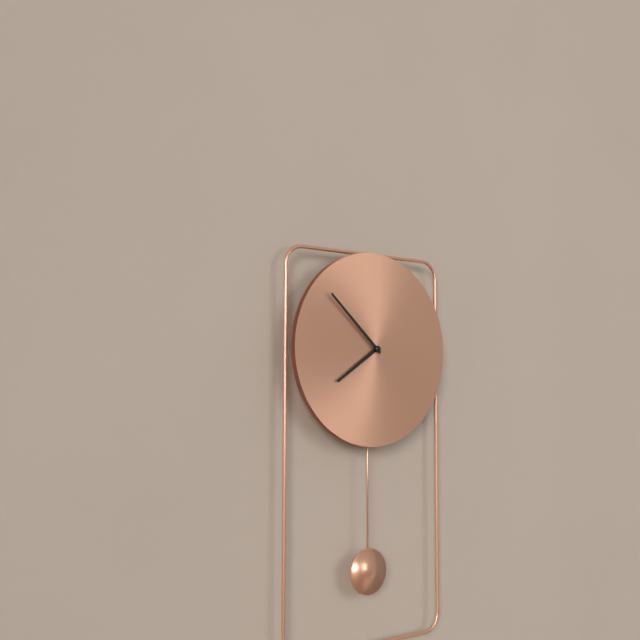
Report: 7:52
